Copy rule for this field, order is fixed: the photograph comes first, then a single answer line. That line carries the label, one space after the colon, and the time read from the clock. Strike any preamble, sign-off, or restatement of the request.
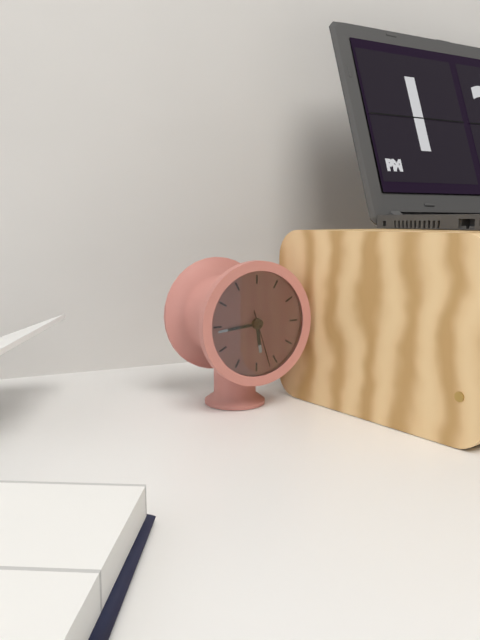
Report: 5:44:27
